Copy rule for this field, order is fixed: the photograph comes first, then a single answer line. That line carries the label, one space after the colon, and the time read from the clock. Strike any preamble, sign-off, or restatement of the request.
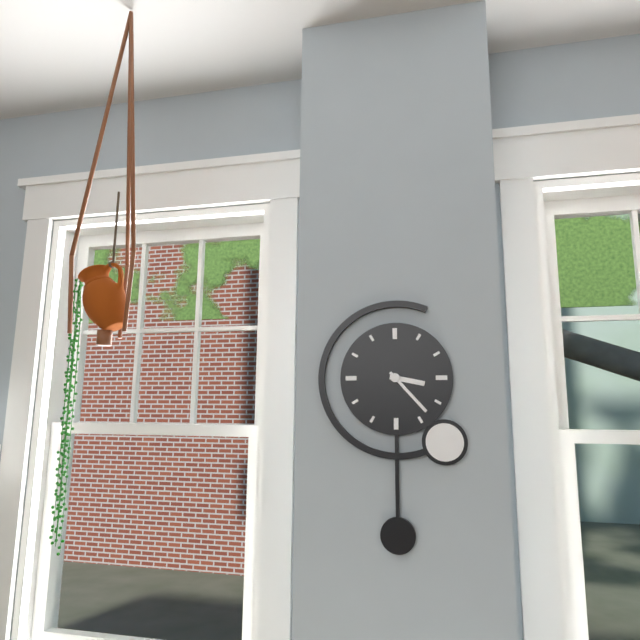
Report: 3:23
